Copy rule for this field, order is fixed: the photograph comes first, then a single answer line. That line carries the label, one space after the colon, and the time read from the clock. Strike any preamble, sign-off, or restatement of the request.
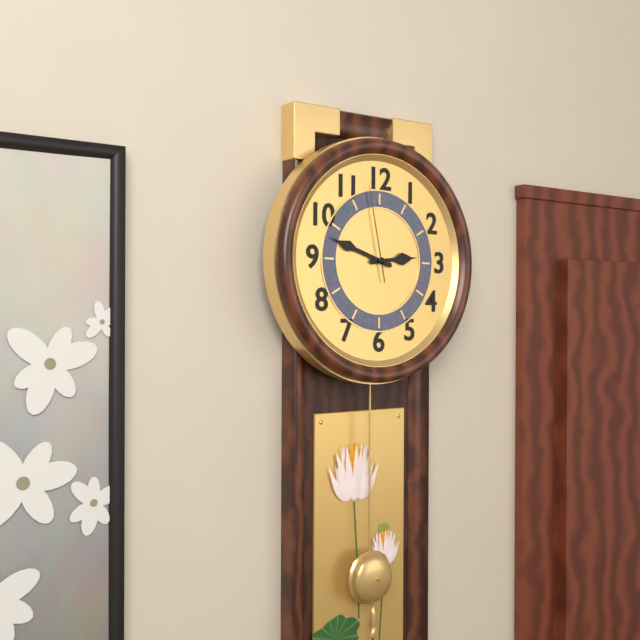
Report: 2:48:58
